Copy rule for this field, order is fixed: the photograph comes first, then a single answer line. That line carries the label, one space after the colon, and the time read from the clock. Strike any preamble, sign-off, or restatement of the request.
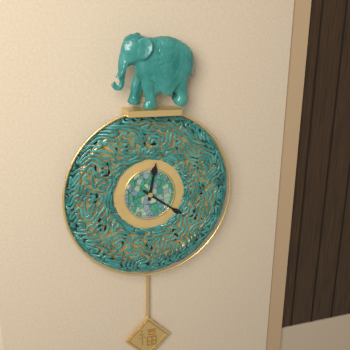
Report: 12:21
